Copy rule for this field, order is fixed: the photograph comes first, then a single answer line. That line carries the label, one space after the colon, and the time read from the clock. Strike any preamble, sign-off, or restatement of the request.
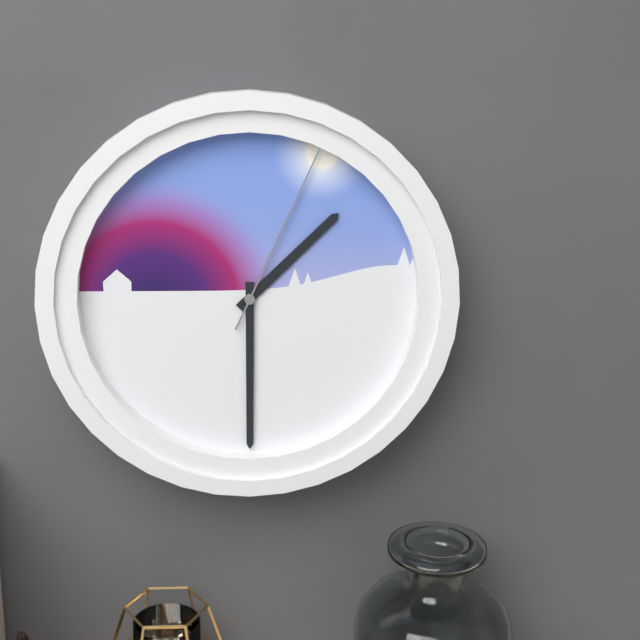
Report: 1:30:04
